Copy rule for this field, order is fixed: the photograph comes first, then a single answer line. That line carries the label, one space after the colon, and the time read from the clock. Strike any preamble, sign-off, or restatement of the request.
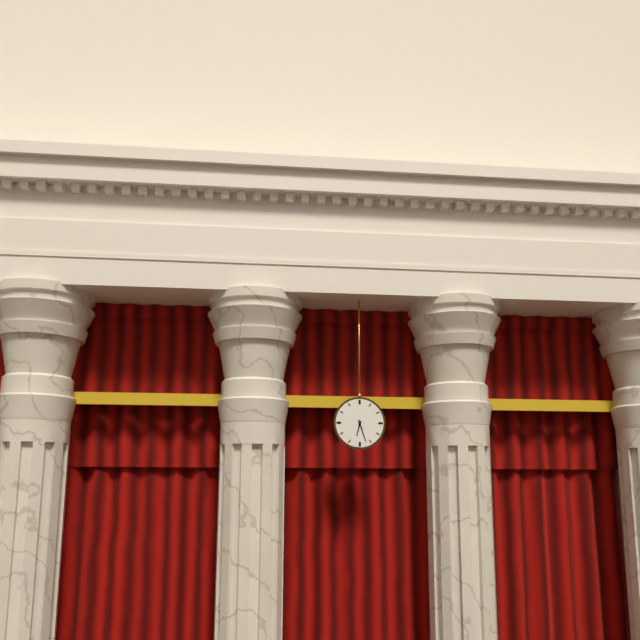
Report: 6:27
